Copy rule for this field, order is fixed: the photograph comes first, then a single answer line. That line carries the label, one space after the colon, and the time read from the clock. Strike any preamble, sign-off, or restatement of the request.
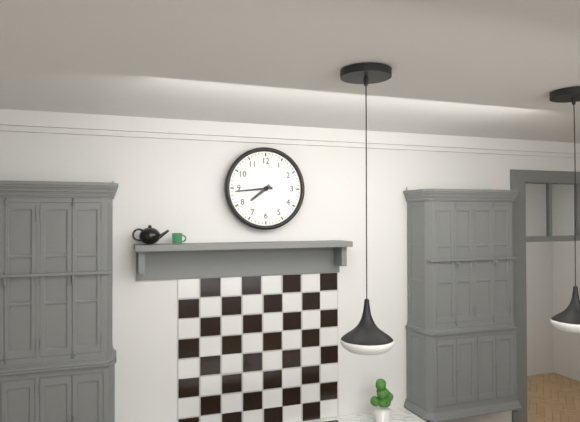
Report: 7:44
